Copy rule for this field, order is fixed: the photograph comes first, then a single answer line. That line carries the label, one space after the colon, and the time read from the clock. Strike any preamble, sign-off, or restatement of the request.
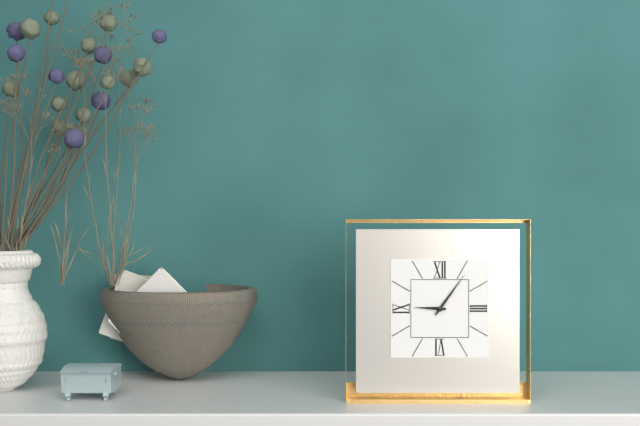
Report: 9:06
